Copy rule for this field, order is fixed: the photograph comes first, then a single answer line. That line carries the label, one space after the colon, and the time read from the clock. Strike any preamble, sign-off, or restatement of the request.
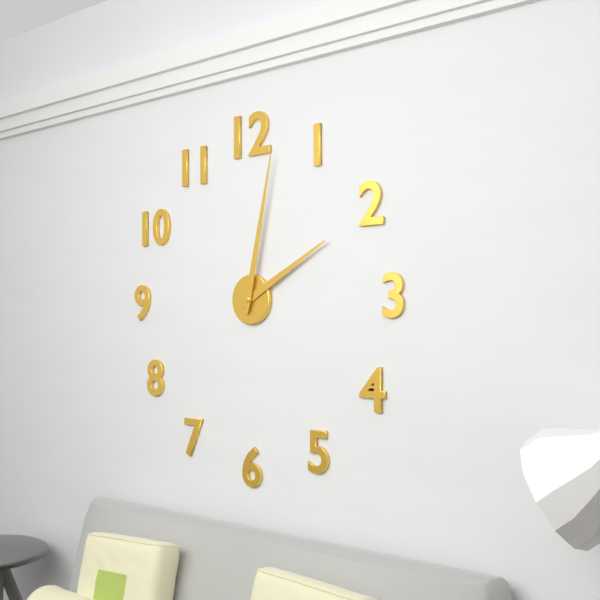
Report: 2:02
